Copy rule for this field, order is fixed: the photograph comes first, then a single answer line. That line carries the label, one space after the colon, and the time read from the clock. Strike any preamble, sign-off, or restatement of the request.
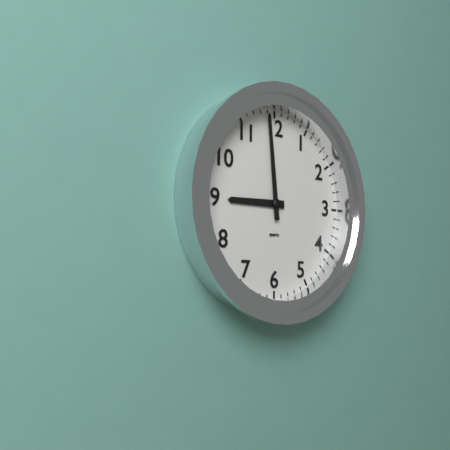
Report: 8:59
